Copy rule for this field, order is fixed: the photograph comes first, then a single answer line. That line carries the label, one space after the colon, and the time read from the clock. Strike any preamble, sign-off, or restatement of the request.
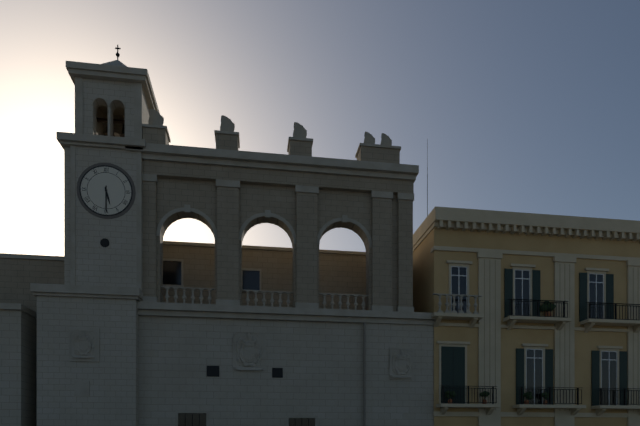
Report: 5:30
